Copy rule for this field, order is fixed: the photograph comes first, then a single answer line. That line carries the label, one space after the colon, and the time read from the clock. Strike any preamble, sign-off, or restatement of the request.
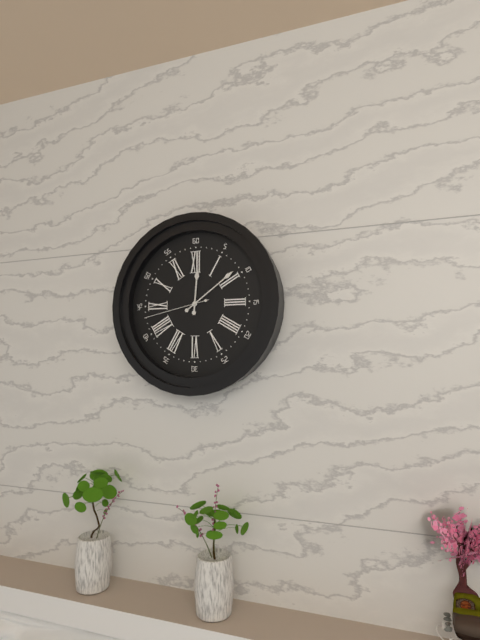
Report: 12:09:43
